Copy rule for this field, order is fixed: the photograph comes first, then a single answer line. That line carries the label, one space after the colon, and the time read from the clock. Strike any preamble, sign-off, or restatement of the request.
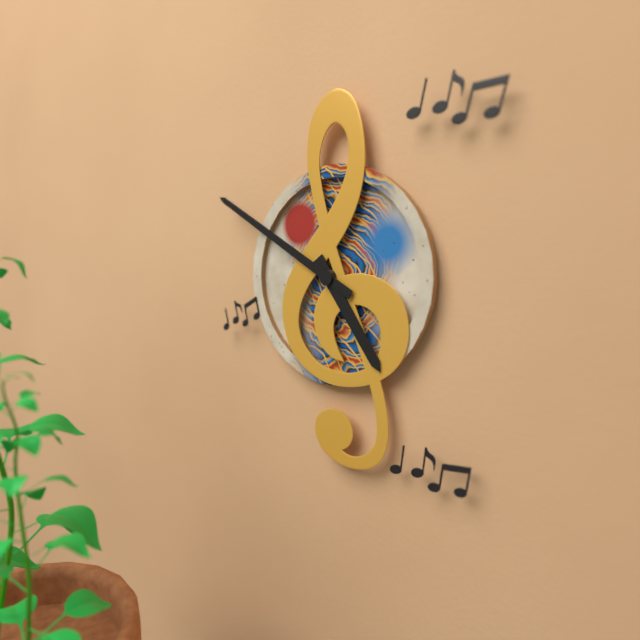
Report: 4:50
